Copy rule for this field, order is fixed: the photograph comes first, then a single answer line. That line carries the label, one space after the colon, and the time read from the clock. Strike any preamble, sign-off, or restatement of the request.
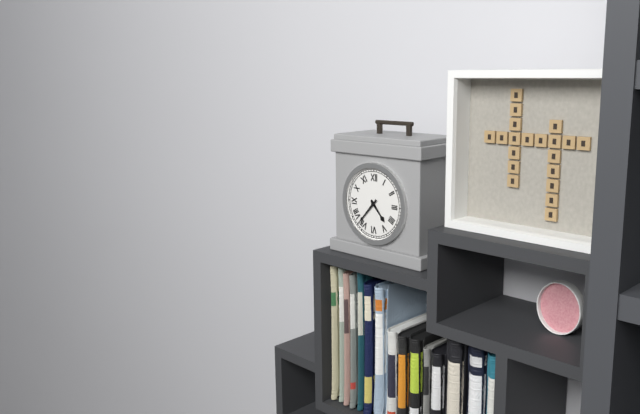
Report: 4:37
